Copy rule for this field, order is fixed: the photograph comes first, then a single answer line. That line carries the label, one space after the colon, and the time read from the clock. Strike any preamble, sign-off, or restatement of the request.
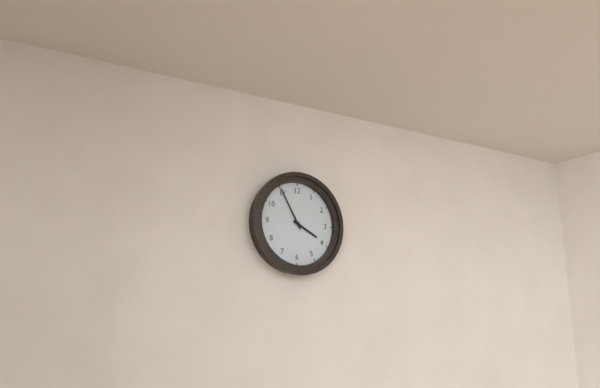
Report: 3:55
